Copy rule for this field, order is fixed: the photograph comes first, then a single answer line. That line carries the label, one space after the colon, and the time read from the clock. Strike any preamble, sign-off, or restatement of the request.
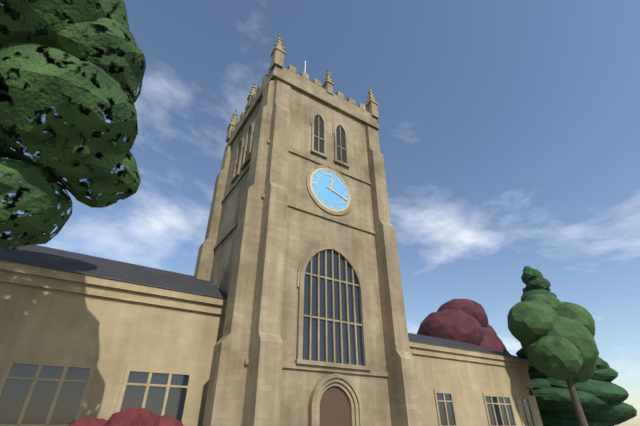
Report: 12:18
